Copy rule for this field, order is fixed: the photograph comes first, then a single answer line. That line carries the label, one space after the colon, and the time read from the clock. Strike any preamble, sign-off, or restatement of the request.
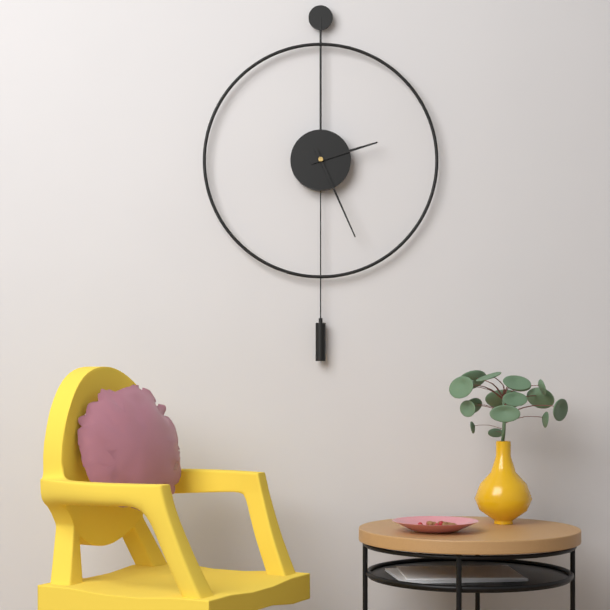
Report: 2:26
